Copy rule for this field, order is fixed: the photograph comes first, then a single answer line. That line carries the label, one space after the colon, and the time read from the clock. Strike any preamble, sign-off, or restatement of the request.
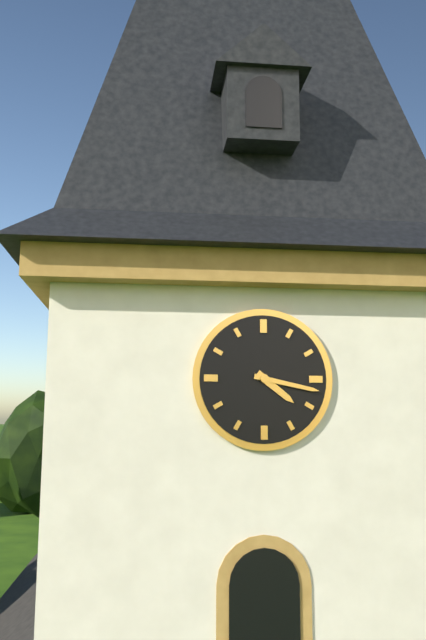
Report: 4:17
